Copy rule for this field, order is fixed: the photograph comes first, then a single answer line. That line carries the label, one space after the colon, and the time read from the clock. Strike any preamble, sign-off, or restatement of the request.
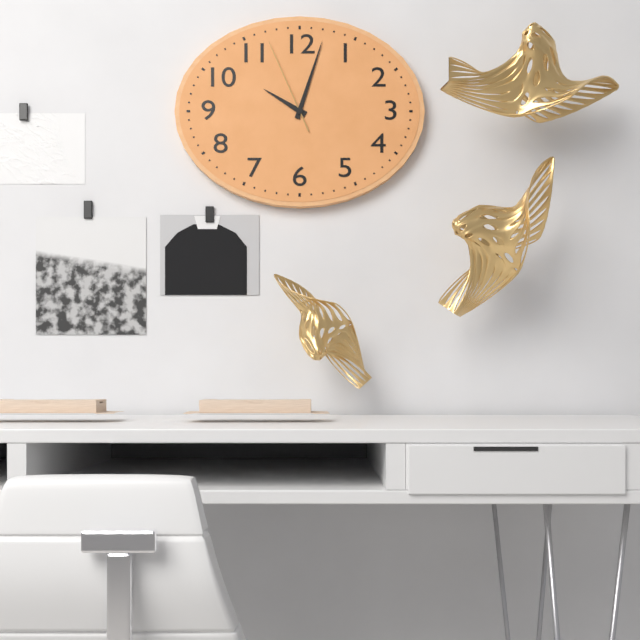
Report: 10:03:56
